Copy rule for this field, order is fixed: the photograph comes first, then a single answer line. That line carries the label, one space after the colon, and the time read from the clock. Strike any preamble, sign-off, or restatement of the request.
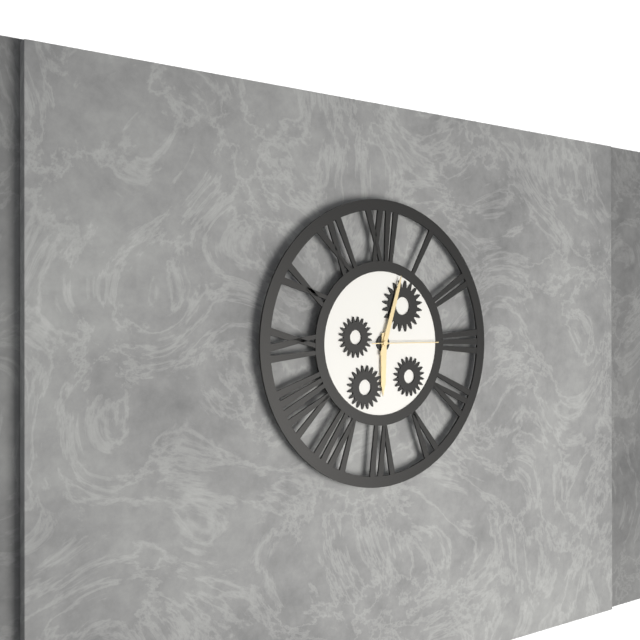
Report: 6:03:15
